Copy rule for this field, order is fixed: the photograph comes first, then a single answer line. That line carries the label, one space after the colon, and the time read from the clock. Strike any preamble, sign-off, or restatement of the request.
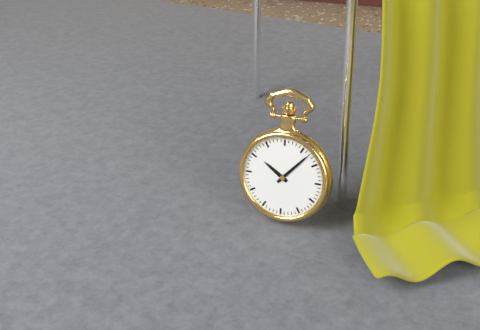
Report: 10:07
